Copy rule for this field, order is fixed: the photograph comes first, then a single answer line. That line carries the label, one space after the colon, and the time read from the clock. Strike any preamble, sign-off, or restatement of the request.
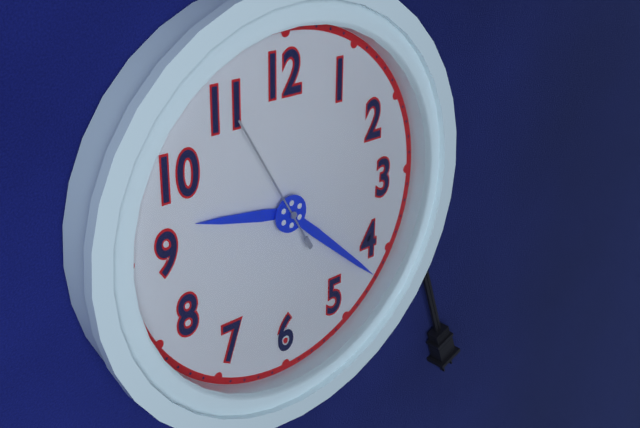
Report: 9:22:55
